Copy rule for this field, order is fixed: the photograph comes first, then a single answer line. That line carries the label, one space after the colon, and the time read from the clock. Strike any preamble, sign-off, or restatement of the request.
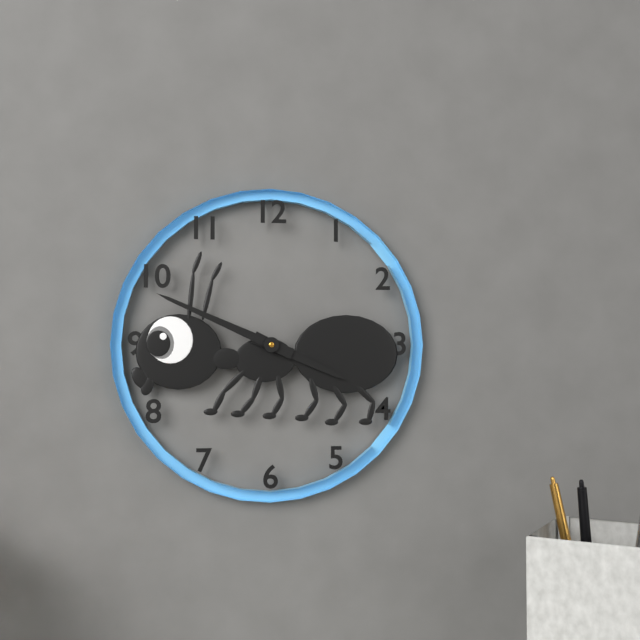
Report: 3:49
